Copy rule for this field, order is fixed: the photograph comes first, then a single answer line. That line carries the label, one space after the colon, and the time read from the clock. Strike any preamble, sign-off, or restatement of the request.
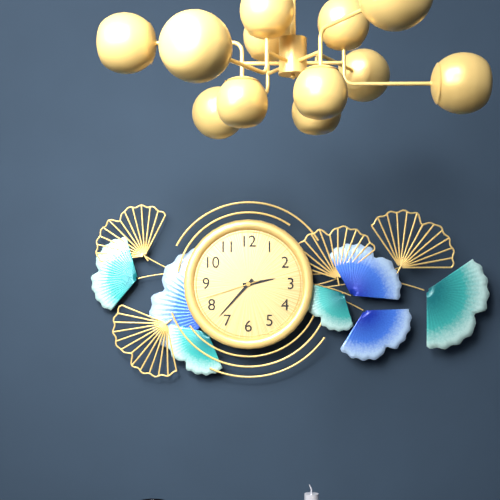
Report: 2:37:42
